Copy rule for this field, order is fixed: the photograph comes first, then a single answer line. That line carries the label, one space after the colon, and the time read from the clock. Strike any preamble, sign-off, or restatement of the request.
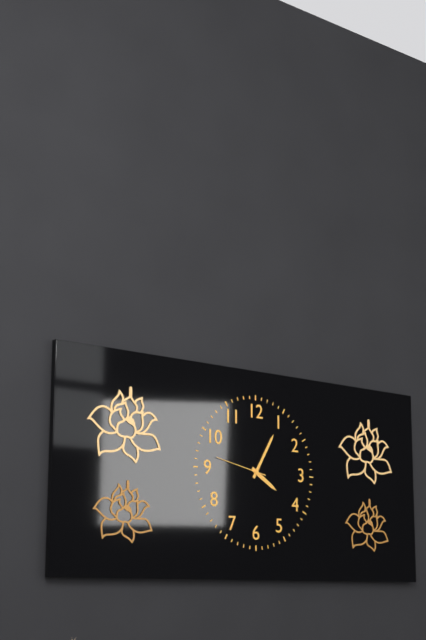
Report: 4:05:47
